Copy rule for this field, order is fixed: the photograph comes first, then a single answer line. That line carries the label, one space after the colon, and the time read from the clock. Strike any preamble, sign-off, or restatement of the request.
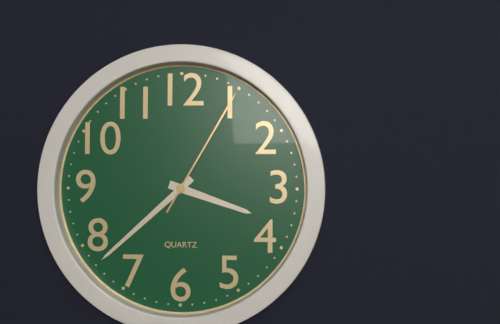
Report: 3:38:05
